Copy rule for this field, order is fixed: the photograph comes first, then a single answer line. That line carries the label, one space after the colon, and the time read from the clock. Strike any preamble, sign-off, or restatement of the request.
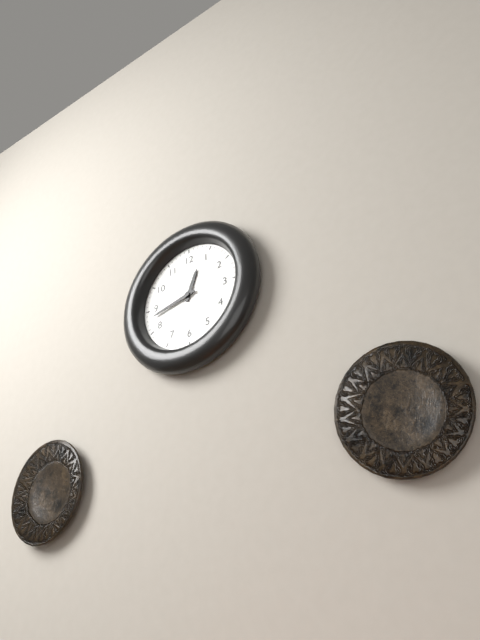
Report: 12:43
